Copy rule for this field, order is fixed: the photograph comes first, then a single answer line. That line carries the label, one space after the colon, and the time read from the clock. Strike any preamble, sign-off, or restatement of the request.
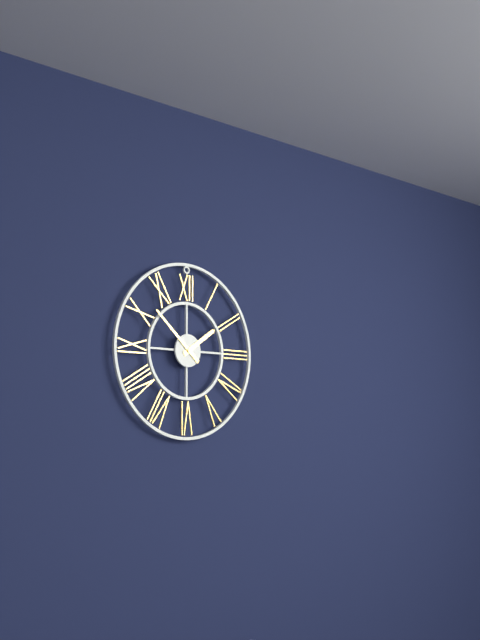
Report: 1:52
